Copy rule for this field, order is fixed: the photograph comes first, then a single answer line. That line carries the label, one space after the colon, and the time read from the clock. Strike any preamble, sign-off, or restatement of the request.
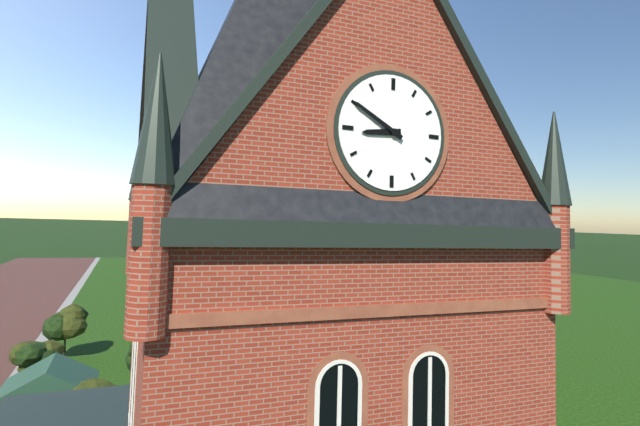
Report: 8:50
